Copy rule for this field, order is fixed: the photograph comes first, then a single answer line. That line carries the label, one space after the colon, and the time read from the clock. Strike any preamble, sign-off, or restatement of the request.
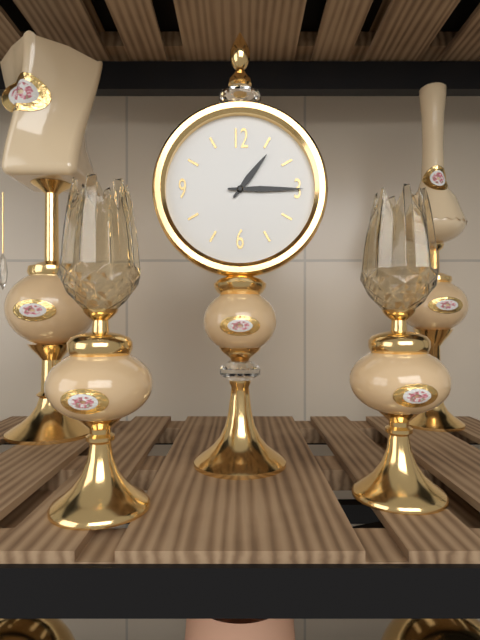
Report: 1:15
